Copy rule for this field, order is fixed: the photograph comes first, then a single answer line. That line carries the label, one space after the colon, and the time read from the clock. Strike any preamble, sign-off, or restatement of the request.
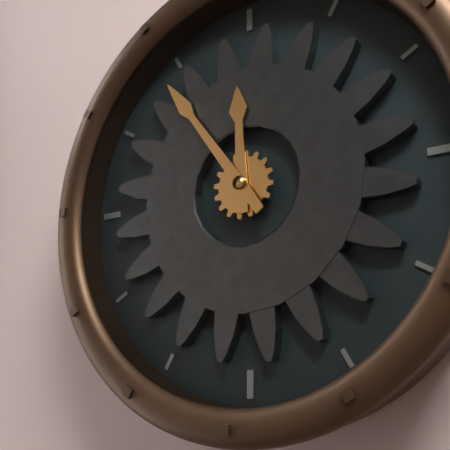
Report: 11:54
